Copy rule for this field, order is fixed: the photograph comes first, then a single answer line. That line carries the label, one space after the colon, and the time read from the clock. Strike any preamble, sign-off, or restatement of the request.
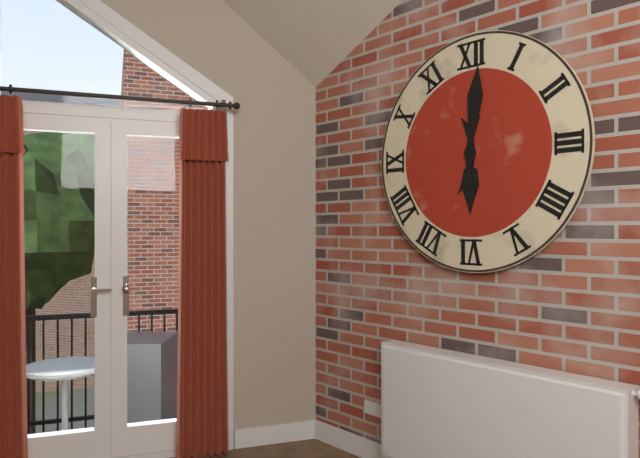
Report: 6:01
